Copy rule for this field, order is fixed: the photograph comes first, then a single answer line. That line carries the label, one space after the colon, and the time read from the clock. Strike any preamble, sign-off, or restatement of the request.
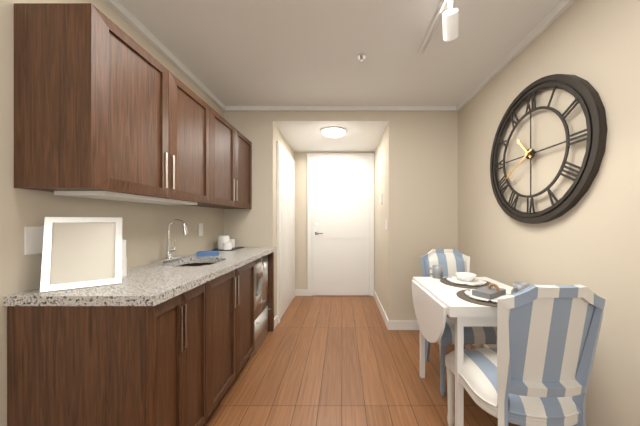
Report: 10:40
